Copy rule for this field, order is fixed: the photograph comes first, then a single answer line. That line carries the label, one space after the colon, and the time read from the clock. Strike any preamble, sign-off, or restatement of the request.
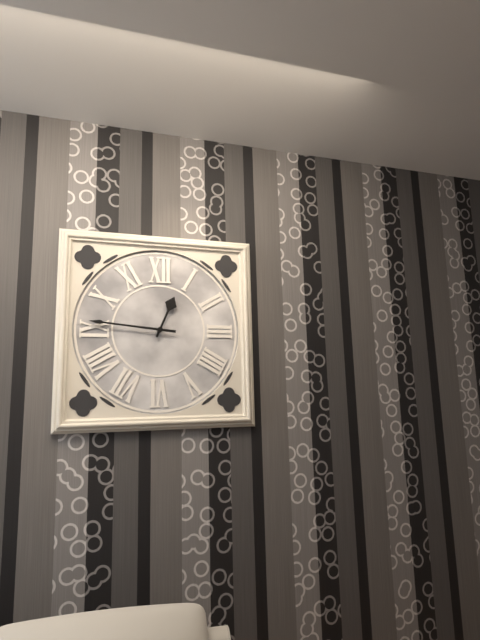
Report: 12:46
